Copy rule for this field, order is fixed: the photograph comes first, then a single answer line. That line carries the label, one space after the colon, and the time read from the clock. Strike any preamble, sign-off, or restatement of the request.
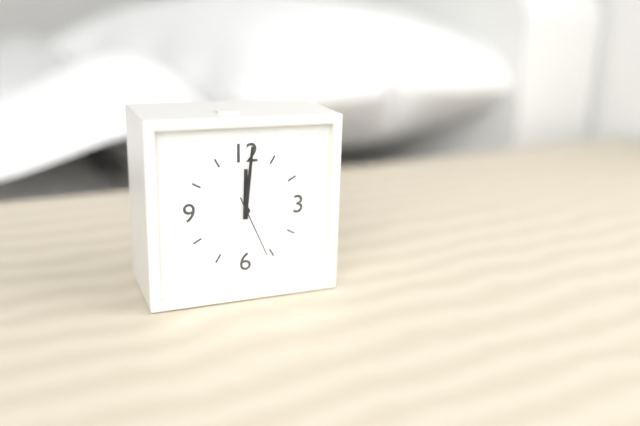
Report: 12:01:26
